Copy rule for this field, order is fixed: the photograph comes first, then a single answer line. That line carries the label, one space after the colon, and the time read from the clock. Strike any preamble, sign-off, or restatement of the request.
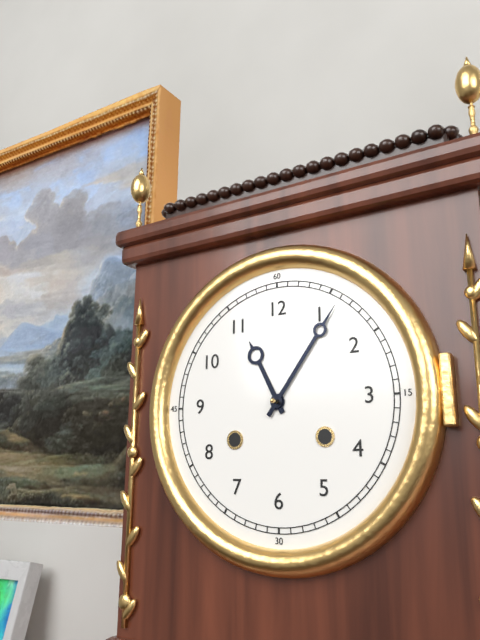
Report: 11:06
